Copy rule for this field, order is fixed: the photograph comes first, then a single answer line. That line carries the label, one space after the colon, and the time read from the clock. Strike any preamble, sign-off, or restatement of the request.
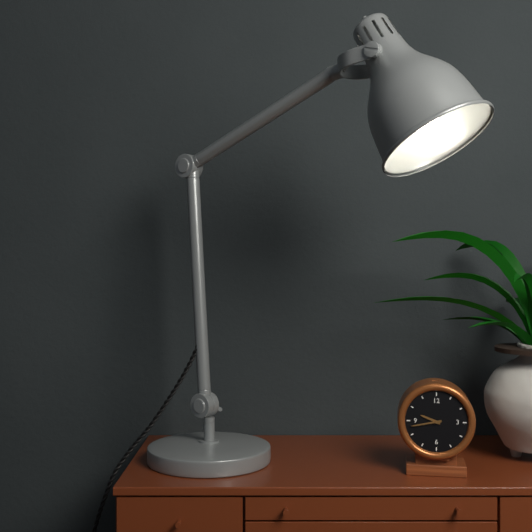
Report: 9:43
